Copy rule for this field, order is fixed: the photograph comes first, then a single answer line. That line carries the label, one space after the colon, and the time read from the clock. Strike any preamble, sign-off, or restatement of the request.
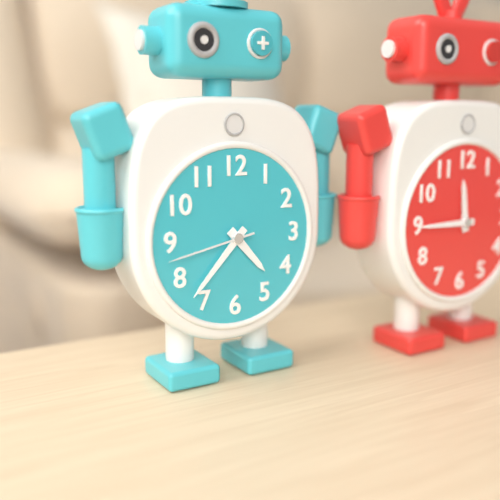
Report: 4:37:43
